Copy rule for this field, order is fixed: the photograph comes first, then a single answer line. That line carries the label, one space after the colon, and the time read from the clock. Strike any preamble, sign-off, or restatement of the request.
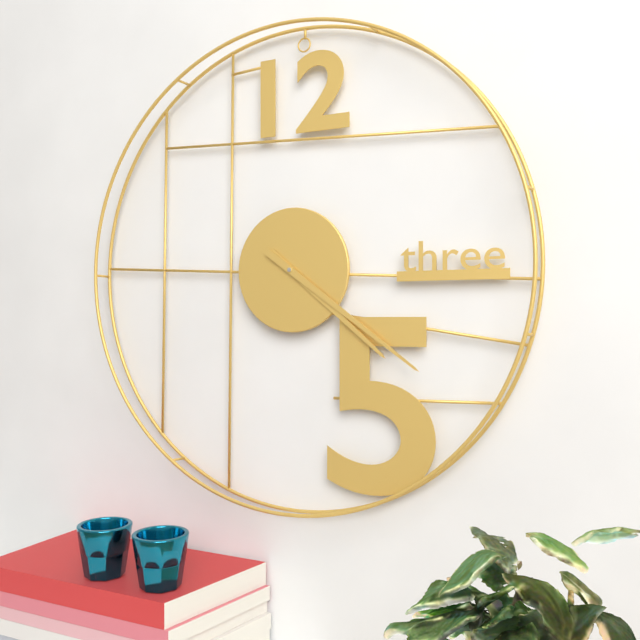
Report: 4:21
